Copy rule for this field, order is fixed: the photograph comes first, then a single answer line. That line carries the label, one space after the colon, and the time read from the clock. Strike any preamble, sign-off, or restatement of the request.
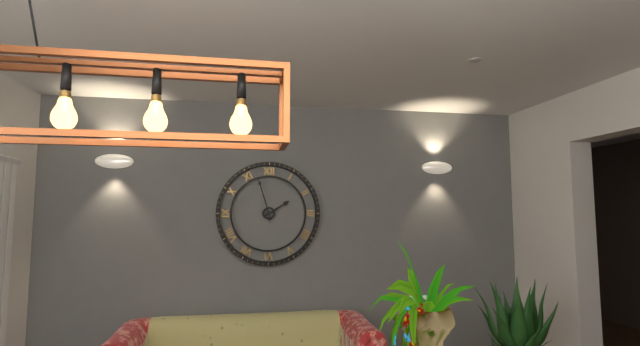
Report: 1:57
